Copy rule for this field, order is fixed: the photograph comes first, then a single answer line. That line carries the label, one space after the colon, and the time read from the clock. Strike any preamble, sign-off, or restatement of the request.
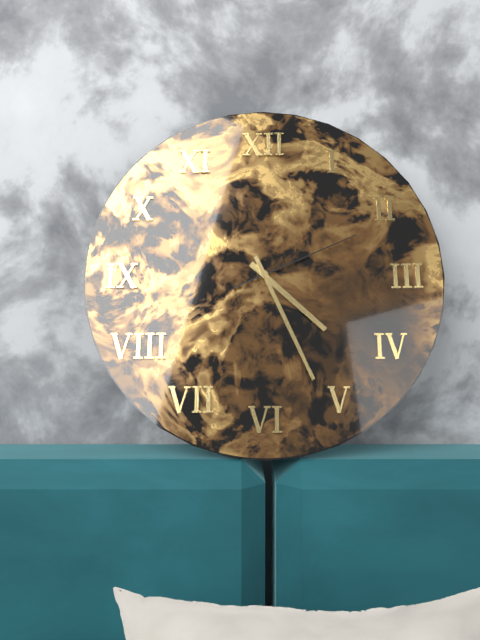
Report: 4:26:11
